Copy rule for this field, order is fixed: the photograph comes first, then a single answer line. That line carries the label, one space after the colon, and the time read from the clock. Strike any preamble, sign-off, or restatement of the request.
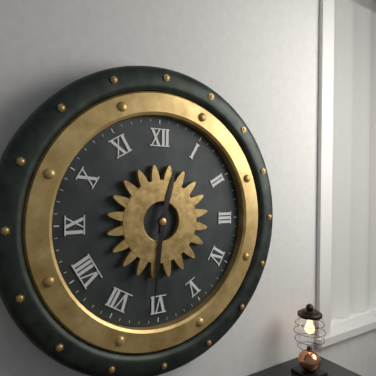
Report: 12:31
